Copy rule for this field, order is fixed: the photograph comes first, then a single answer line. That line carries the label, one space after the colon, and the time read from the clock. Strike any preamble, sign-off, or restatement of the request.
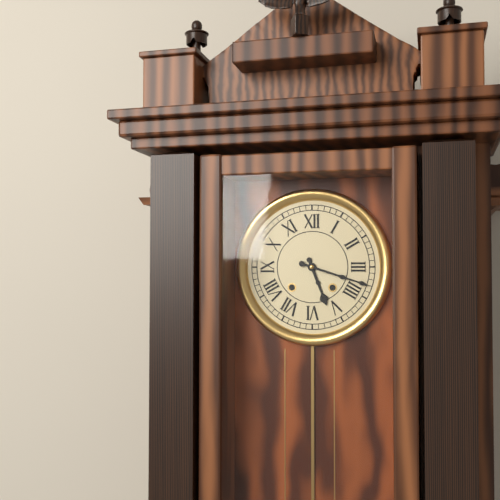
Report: 5:18
